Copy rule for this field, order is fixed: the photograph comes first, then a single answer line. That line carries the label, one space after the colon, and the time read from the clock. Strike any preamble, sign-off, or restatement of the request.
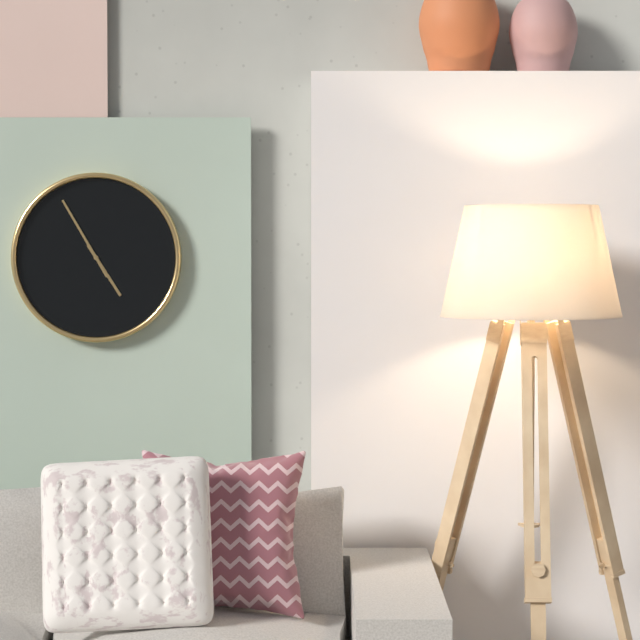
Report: 4:55
